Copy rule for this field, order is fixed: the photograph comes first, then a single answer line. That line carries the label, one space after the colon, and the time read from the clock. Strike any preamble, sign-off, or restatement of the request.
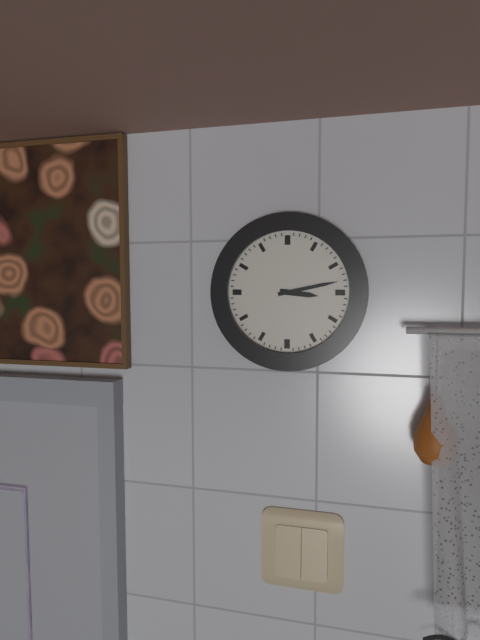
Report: 3:13
